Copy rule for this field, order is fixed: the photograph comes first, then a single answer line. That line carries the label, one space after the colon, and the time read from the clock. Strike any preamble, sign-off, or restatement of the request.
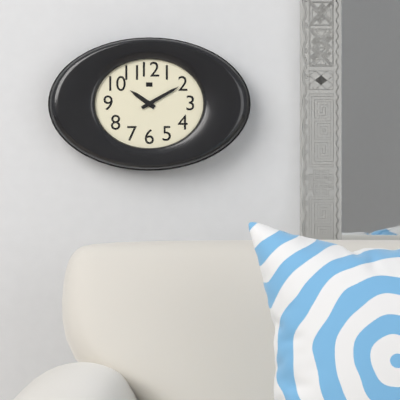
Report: 10:10
